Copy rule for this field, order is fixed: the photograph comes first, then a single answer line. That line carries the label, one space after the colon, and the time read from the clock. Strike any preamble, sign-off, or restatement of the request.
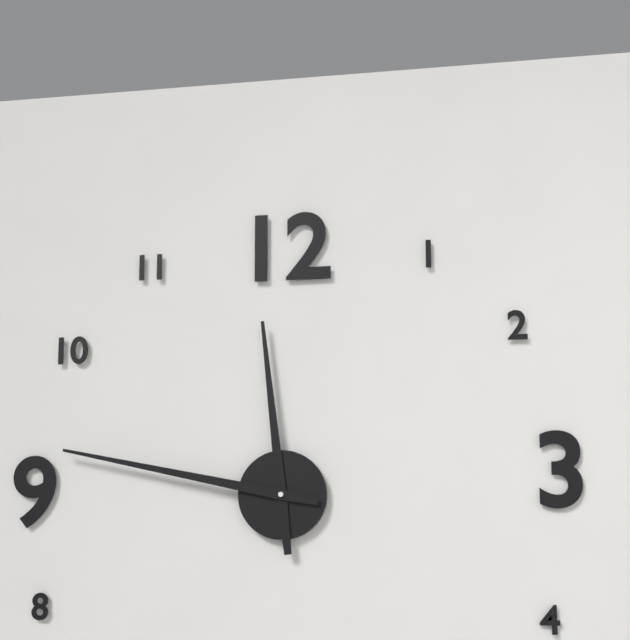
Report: 11:47
